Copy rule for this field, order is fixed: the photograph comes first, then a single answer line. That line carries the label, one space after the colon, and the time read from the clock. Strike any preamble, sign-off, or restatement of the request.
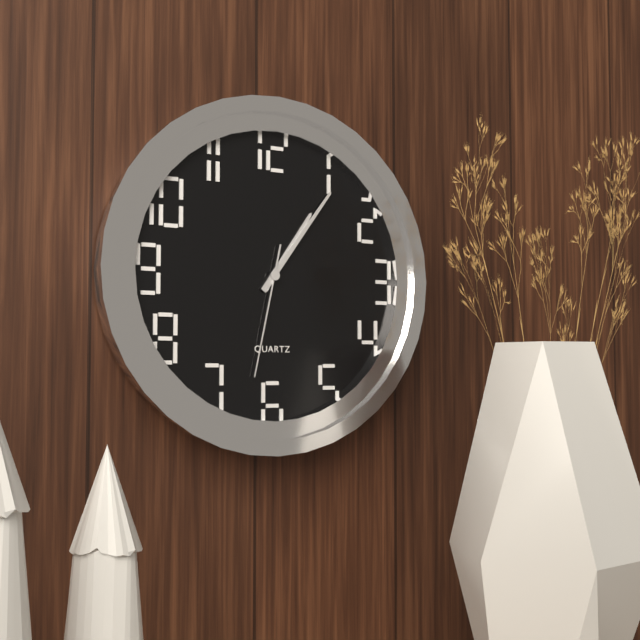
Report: 1:06:32
